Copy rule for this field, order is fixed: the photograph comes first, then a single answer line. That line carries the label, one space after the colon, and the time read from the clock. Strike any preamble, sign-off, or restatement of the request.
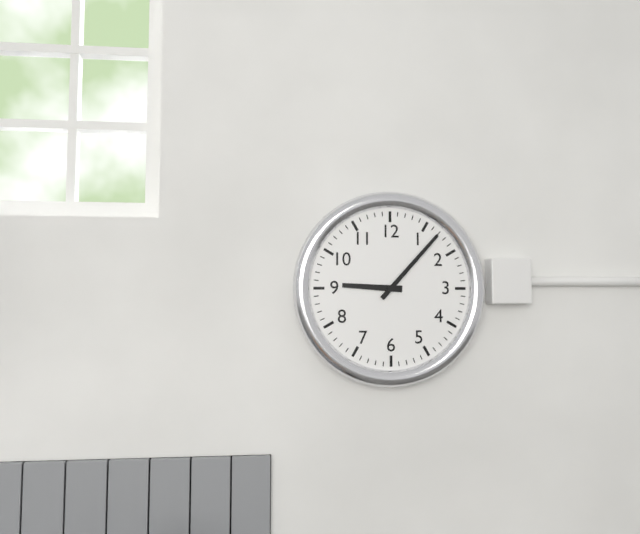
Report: 9:07
